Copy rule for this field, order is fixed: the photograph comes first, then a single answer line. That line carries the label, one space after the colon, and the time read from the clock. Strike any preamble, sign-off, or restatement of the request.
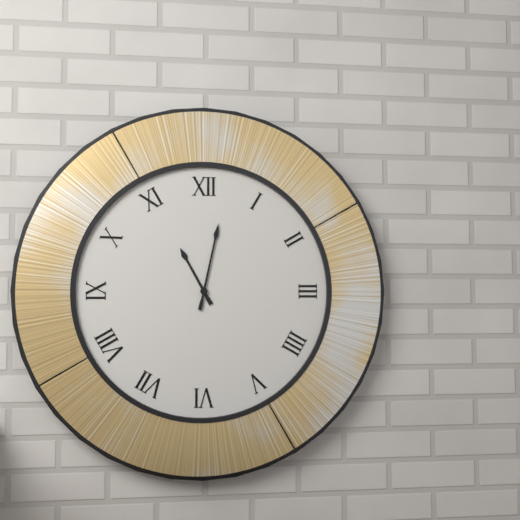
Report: 11:02
